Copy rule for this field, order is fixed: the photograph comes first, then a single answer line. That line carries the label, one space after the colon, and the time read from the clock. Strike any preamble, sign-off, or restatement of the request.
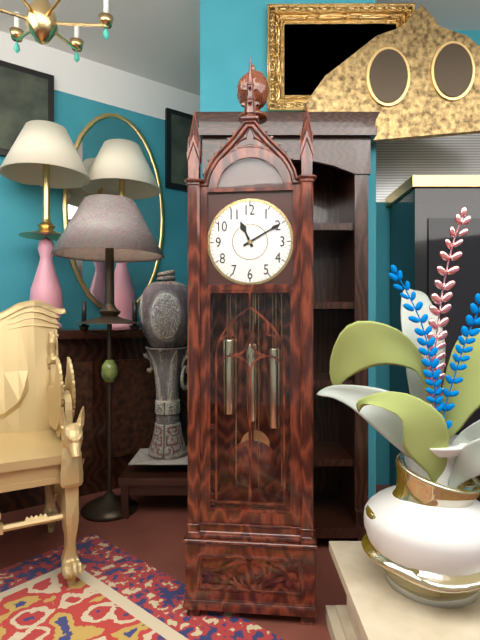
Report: 11:10
